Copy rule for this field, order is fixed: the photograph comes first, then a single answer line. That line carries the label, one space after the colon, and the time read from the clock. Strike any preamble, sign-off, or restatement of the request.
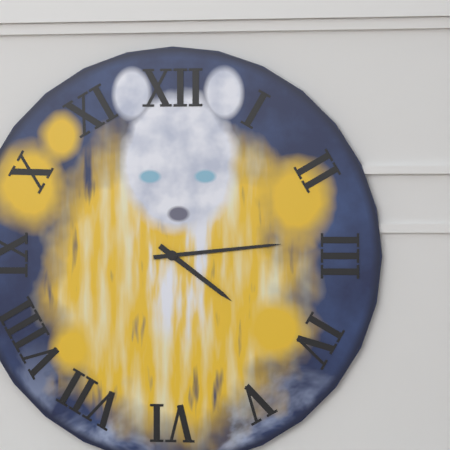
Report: 4:14
